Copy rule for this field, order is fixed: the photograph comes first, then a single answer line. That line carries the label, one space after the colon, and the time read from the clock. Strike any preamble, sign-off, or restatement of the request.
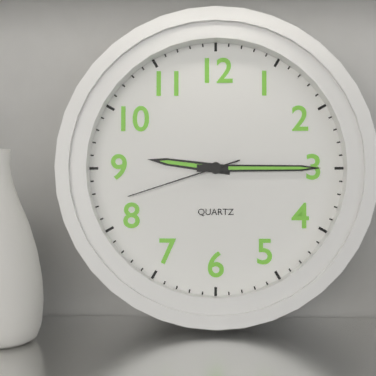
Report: 9:15:42
